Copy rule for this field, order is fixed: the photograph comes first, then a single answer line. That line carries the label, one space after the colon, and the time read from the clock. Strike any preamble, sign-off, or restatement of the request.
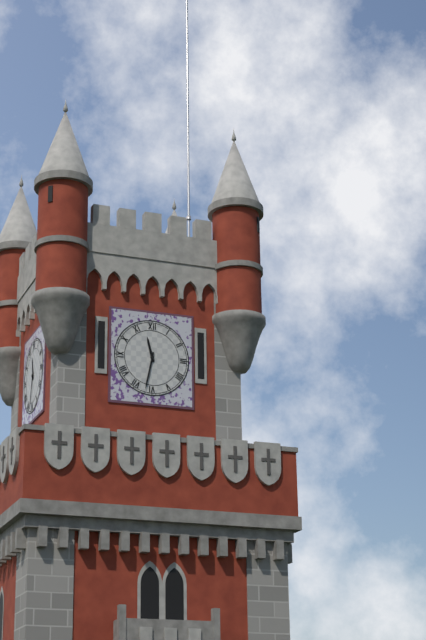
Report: 11:32
